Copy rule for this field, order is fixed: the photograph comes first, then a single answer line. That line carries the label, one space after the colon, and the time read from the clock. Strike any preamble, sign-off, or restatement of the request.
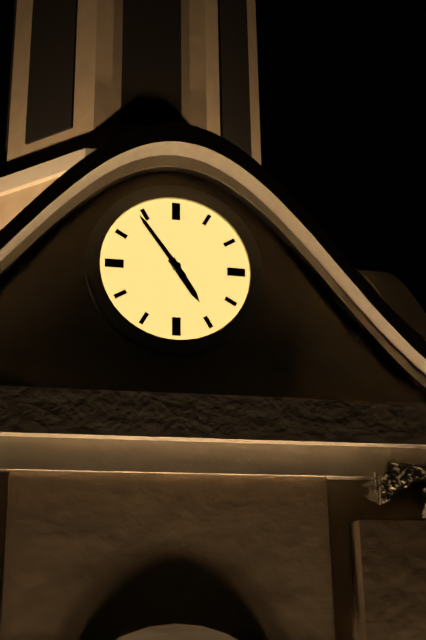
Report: 4:54
